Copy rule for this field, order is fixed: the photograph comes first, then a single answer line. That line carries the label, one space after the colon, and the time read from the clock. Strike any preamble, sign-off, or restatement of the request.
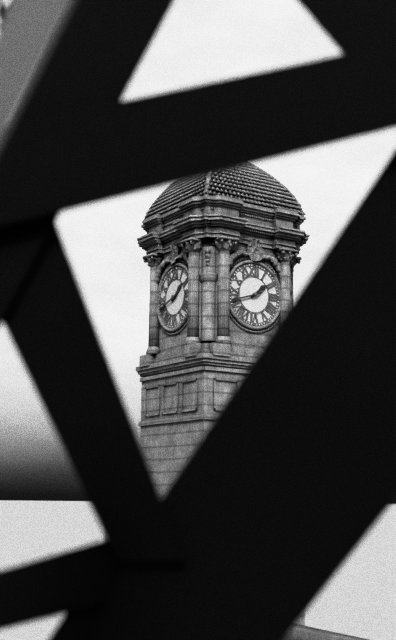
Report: 1:42
